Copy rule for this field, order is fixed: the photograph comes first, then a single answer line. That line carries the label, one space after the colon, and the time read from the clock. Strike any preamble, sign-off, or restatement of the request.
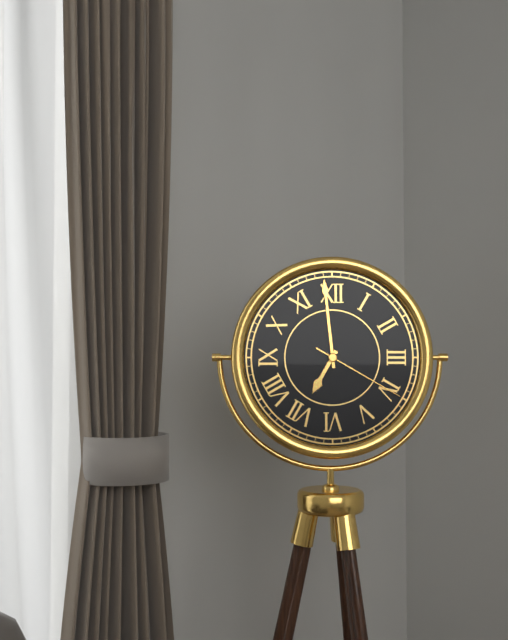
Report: 6:59:20
